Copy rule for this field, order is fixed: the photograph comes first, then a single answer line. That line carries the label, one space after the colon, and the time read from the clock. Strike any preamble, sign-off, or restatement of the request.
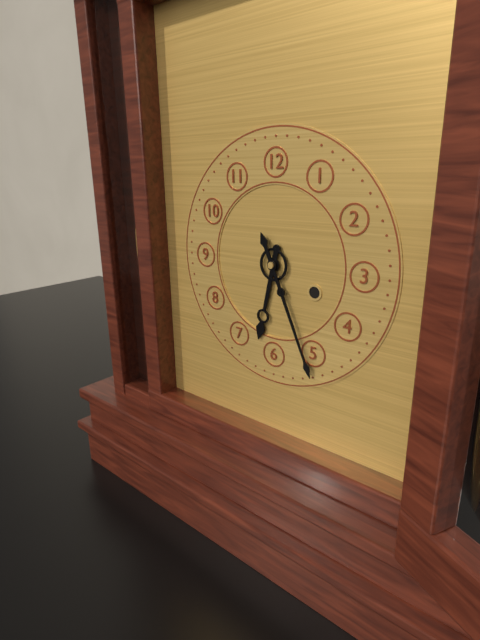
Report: 6:26
